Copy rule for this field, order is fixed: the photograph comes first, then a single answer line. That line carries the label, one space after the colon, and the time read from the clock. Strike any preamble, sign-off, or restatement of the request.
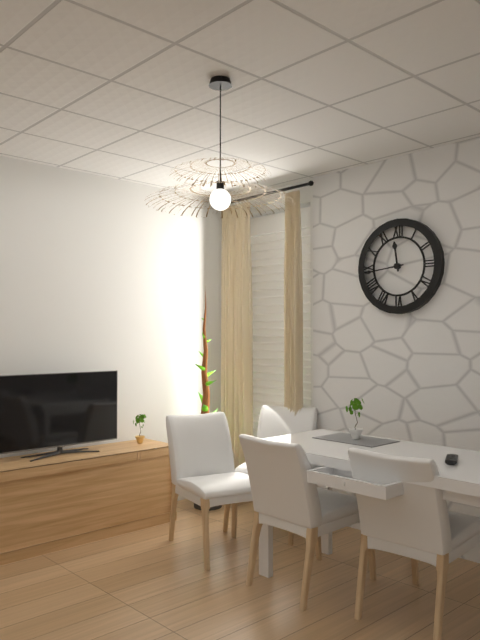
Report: 11:44
